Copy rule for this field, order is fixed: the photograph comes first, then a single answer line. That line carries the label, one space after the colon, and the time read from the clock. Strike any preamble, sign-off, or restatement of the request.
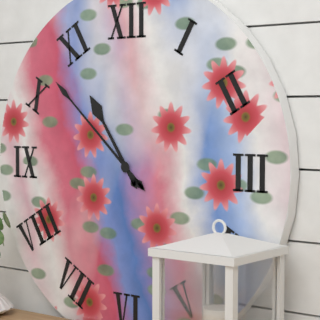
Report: 10:52
